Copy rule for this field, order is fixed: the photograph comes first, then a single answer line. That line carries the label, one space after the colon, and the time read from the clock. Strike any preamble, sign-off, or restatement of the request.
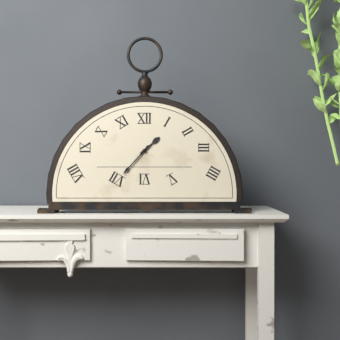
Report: 1:37
